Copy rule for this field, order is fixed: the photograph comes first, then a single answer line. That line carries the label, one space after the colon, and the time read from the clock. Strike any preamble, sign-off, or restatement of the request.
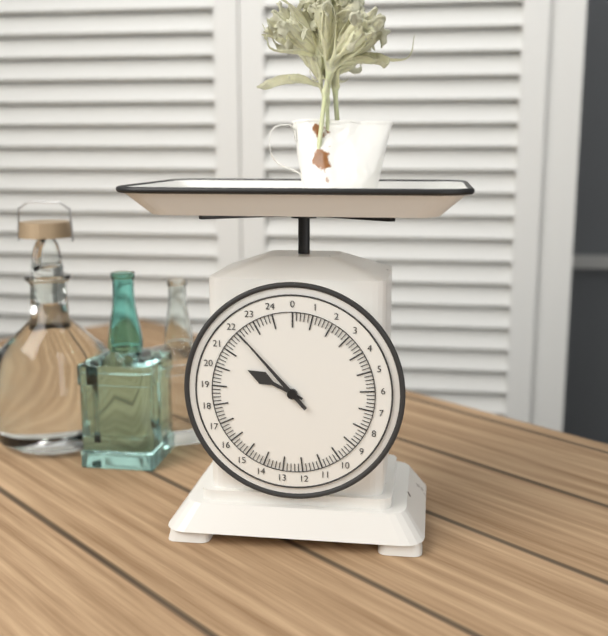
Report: 9:53
